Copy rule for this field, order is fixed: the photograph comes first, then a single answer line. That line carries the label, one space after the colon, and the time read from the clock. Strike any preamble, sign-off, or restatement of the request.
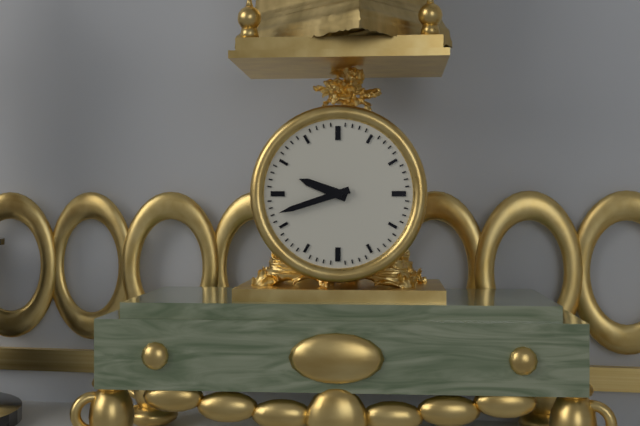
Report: 9:42
